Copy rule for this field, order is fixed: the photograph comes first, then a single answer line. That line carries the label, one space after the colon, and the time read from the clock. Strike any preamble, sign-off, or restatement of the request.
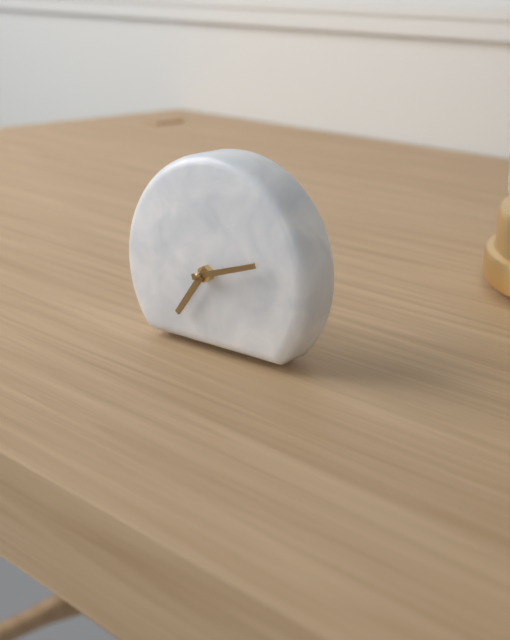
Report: 7:12
